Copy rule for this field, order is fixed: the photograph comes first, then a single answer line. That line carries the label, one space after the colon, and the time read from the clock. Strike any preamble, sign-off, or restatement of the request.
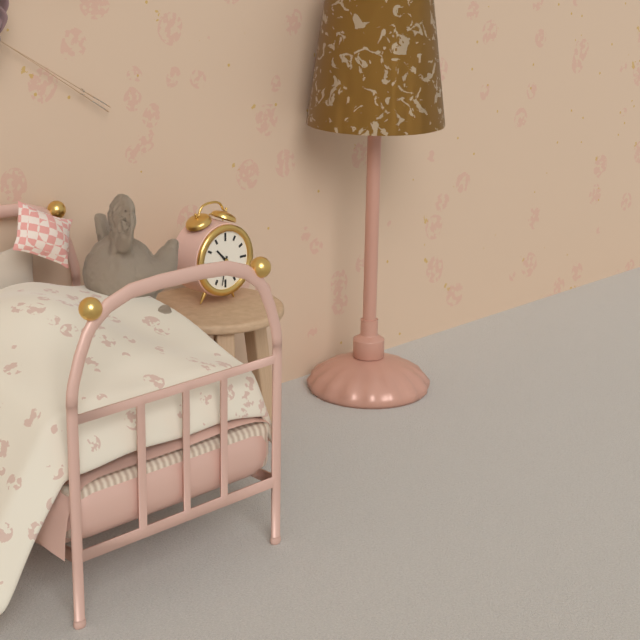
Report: 10:32
